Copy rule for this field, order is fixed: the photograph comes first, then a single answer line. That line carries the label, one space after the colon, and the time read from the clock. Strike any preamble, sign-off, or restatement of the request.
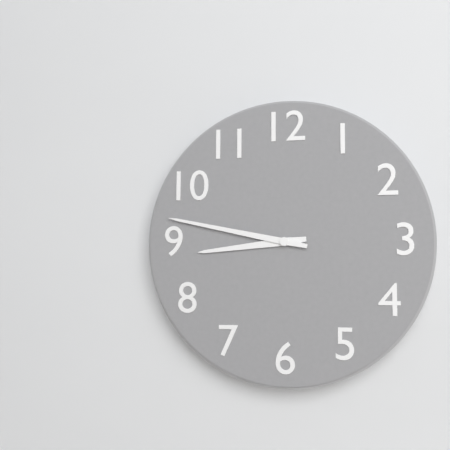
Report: 8:47
